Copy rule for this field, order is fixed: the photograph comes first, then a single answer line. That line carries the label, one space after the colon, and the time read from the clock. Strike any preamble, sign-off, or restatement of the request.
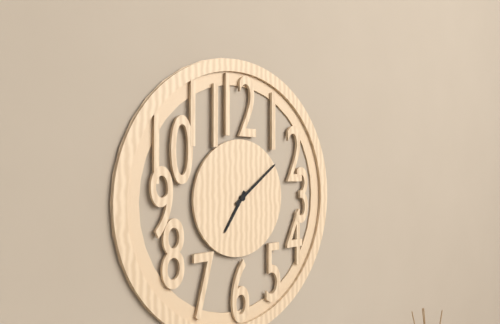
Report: 7:09
